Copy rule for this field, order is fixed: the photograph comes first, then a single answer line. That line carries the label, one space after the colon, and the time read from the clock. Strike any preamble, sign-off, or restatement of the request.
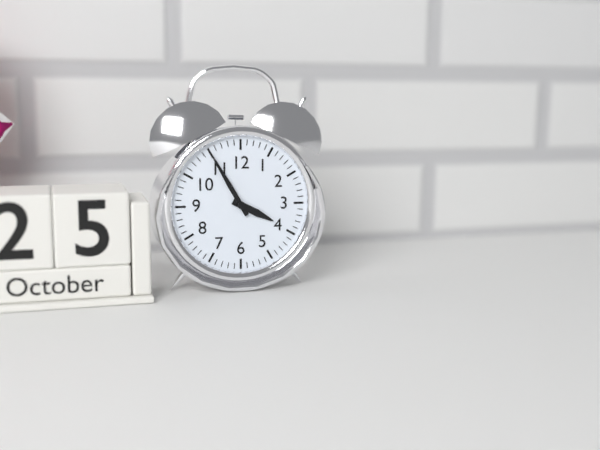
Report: 3:55
